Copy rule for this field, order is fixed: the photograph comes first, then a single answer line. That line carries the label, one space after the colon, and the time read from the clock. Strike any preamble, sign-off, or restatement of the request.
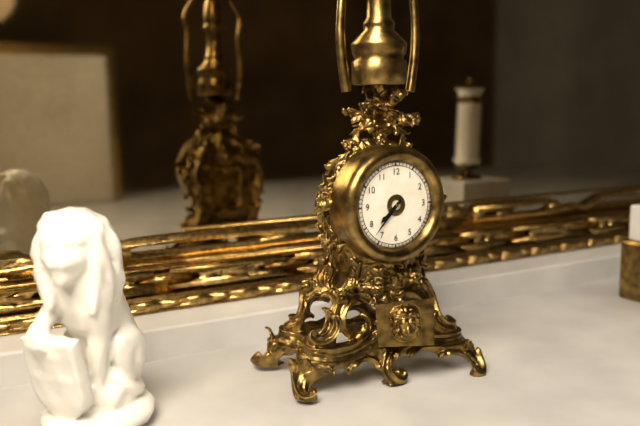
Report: 7:37
